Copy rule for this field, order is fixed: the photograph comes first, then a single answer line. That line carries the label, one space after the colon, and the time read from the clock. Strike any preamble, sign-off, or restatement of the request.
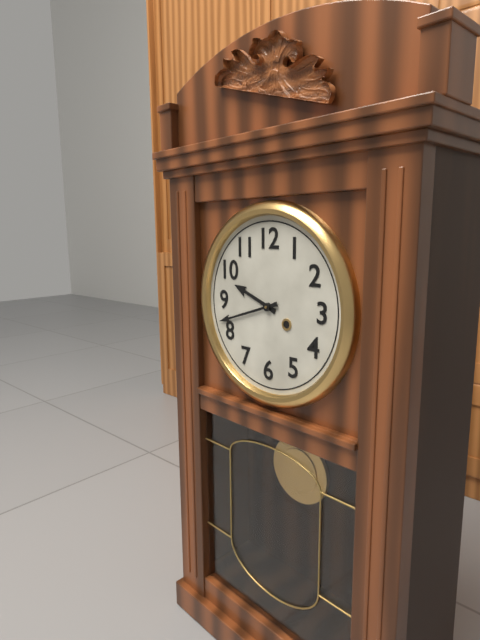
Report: 9:42
